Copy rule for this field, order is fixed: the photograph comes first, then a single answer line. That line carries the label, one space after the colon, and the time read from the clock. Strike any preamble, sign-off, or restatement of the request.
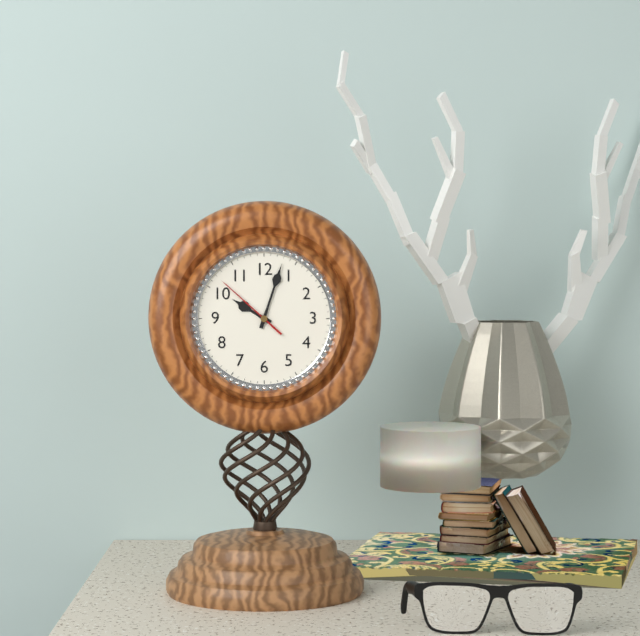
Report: 10:03:52
